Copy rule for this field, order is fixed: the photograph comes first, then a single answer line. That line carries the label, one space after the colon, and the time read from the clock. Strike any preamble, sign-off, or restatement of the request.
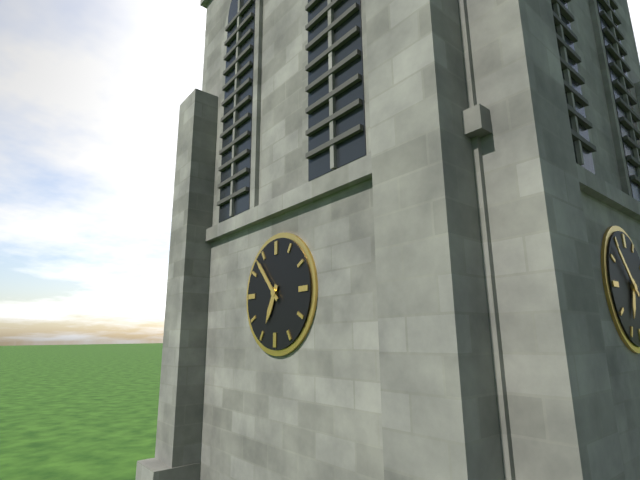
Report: 6:53
